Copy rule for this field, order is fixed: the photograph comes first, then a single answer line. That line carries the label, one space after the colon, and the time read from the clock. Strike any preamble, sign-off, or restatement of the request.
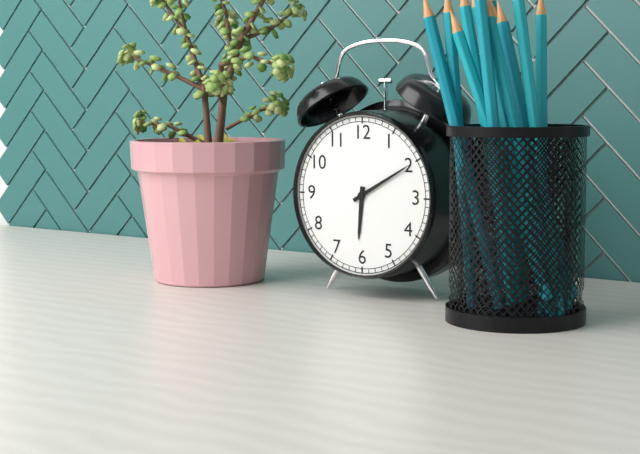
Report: 6:10
